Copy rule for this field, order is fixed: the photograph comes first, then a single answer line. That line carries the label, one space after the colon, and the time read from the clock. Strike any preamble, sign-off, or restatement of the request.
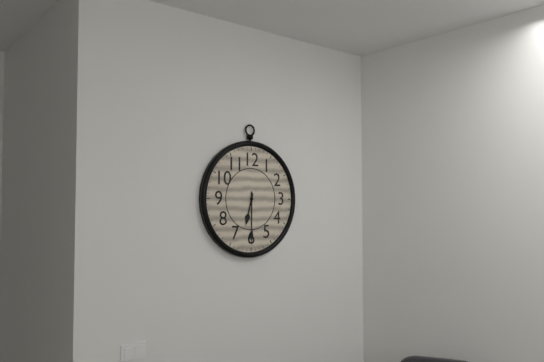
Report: 6:30
